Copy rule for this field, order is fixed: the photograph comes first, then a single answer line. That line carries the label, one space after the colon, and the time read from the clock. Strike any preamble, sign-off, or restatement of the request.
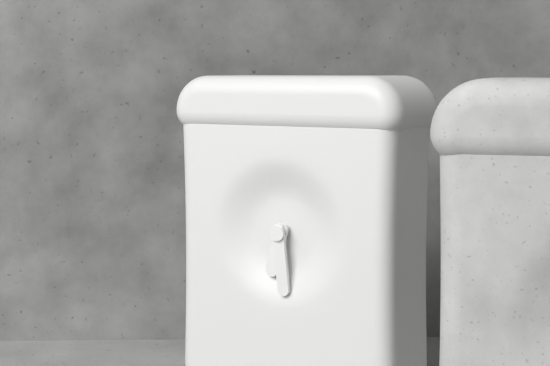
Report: 6:29
